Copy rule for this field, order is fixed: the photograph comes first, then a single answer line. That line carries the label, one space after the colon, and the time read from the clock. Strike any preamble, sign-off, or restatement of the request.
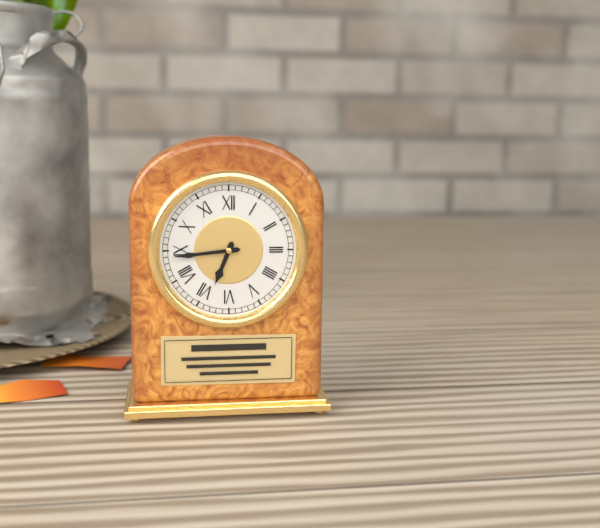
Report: 6:44
